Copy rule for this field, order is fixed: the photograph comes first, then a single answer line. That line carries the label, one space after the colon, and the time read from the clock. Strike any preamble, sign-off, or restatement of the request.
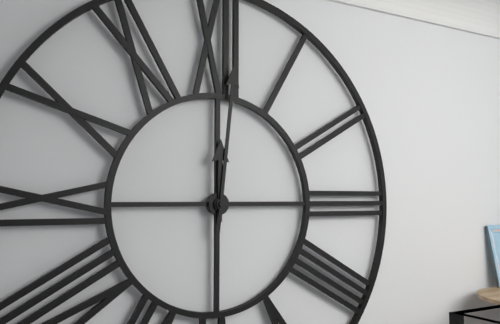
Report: 12:01
